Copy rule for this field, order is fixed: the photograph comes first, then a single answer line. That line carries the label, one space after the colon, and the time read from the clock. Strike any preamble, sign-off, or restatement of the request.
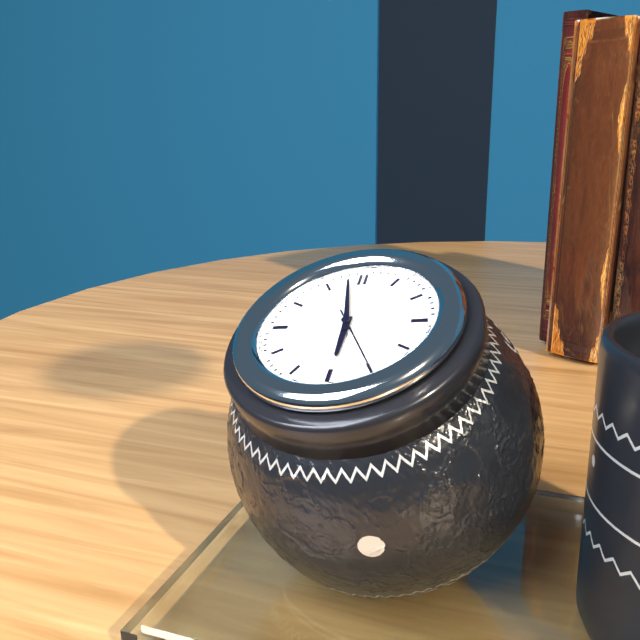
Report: 5:58:25
